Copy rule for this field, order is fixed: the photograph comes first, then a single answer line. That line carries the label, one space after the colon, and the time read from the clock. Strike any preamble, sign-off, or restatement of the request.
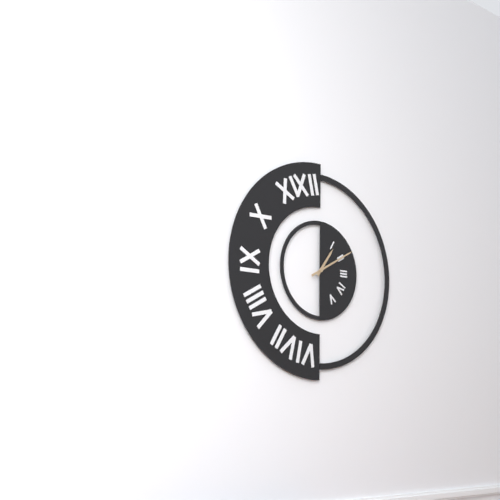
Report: 1:10
